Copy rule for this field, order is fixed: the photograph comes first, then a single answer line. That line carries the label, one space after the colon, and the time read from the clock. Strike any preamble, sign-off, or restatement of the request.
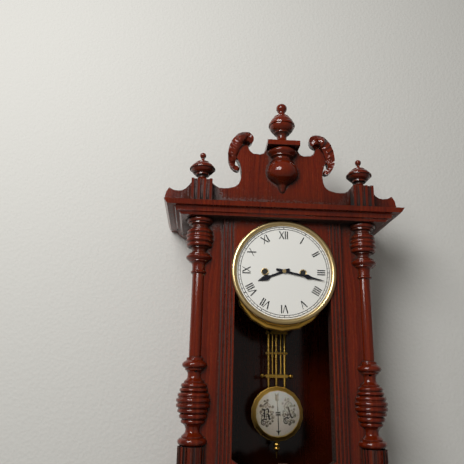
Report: 8:17
